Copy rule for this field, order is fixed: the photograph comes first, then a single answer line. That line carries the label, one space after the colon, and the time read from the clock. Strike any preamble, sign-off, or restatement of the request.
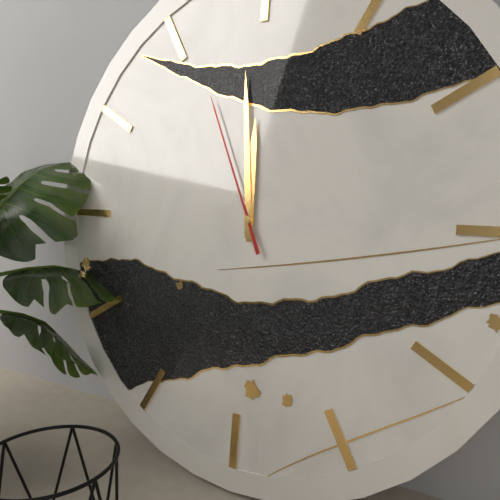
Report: 11:59:56
